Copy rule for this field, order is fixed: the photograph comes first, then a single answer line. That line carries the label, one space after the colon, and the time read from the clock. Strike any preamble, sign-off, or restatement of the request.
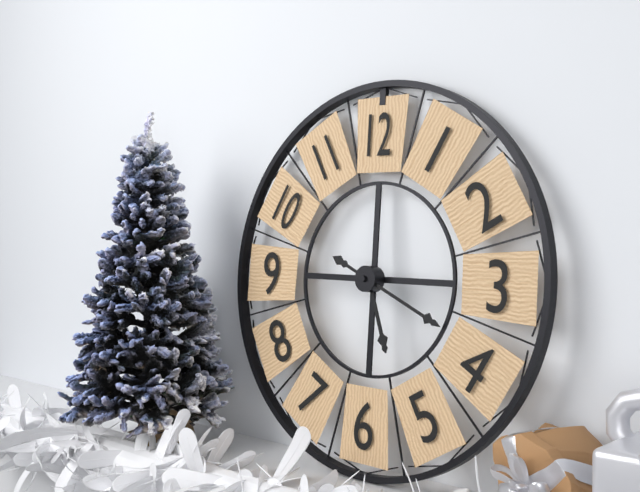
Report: 5:19
